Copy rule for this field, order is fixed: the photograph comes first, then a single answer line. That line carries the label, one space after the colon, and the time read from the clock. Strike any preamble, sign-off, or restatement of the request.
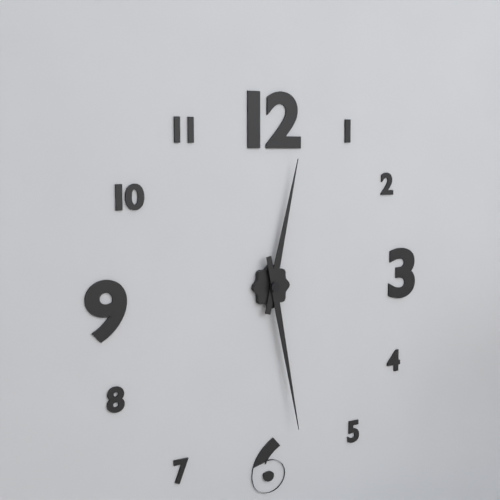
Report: 12:28
